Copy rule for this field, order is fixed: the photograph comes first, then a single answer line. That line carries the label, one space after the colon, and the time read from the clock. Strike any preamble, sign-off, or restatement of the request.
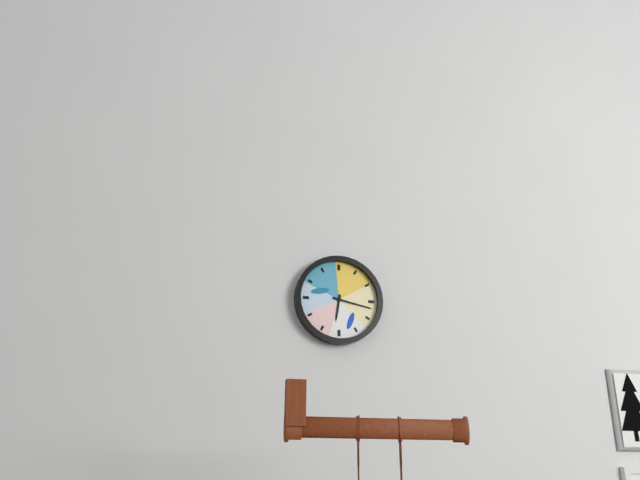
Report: 6:17
